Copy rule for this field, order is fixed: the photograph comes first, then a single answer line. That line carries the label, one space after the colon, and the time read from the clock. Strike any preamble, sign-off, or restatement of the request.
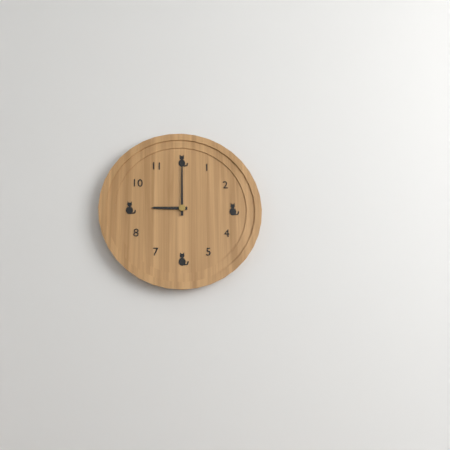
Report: 9:00
